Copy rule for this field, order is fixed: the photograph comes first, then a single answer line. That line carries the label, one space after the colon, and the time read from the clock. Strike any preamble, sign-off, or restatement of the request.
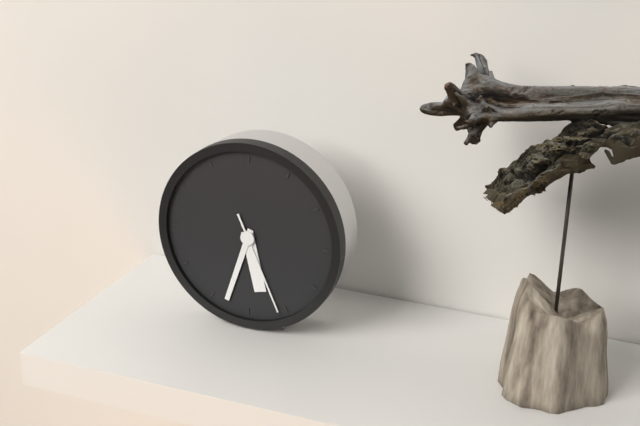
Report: 5:33:26
